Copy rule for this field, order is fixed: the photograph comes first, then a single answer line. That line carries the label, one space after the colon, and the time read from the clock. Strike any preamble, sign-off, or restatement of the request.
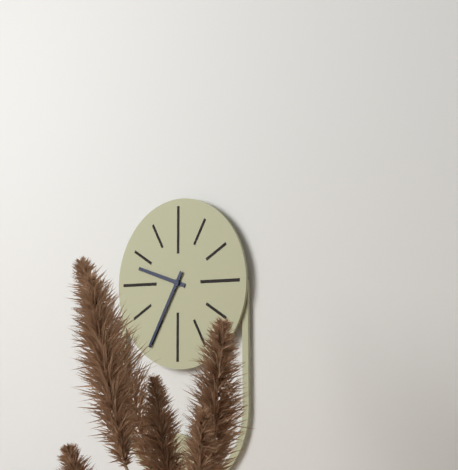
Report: 9:35
